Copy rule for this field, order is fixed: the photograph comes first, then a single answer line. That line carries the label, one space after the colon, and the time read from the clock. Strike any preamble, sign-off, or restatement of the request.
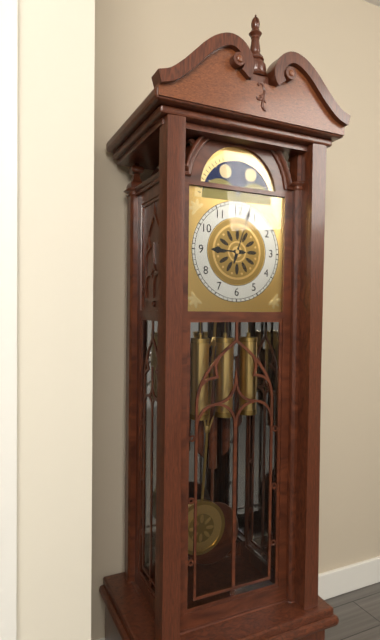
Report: 9:03
